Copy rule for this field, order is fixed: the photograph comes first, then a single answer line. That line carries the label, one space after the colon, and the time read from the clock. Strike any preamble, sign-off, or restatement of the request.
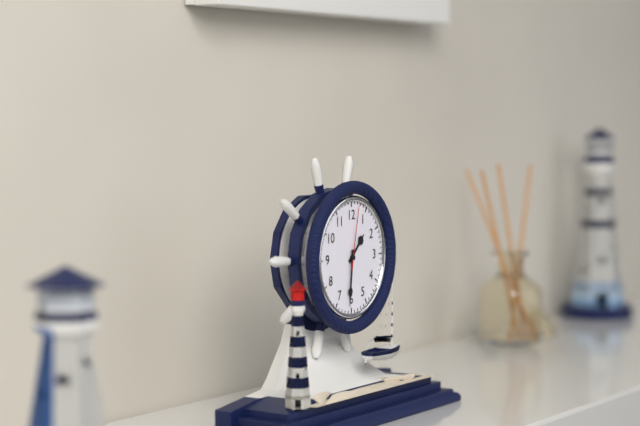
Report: 1:31:02
